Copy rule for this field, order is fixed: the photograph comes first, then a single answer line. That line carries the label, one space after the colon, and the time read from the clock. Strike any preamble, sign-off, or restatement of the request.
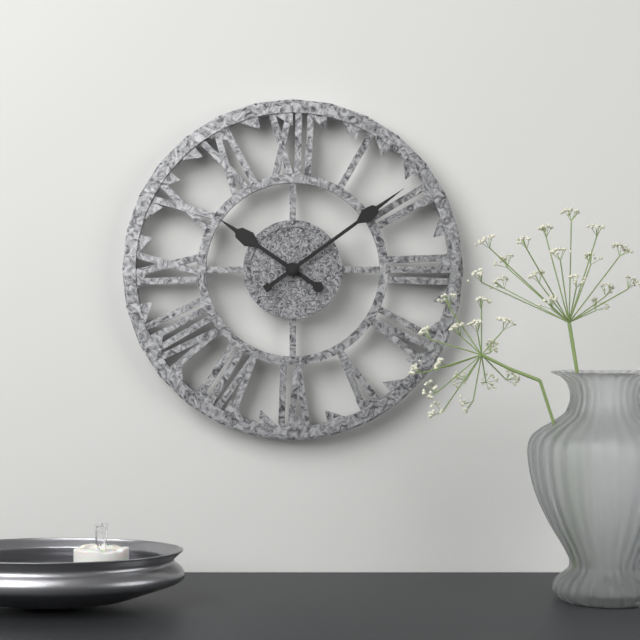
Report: 10:09
